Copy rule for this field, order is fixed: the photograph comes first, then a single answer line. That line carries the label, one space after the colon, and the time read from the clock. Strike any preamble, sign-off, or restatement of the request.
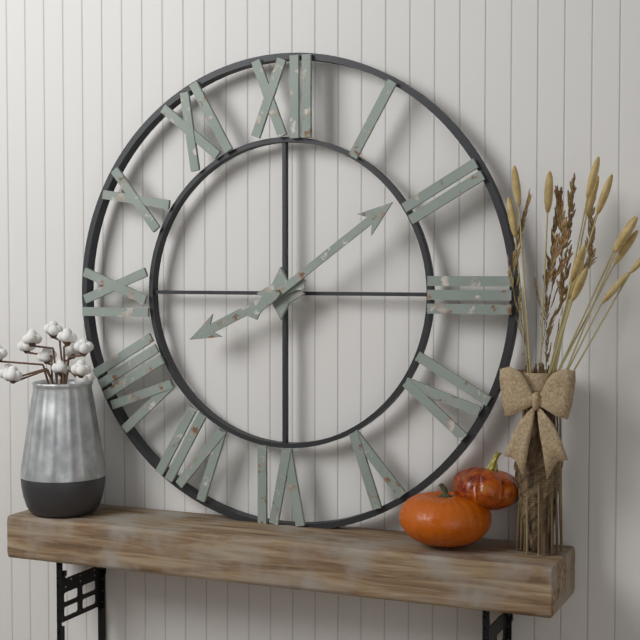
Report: 8:09
